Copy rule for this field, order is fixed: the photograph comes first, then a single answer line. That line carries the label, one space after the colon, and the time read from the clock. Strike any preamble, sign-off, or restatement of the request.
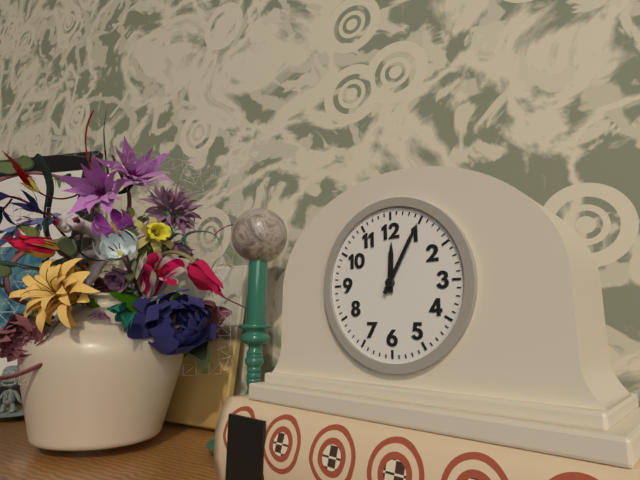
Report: 12:05
